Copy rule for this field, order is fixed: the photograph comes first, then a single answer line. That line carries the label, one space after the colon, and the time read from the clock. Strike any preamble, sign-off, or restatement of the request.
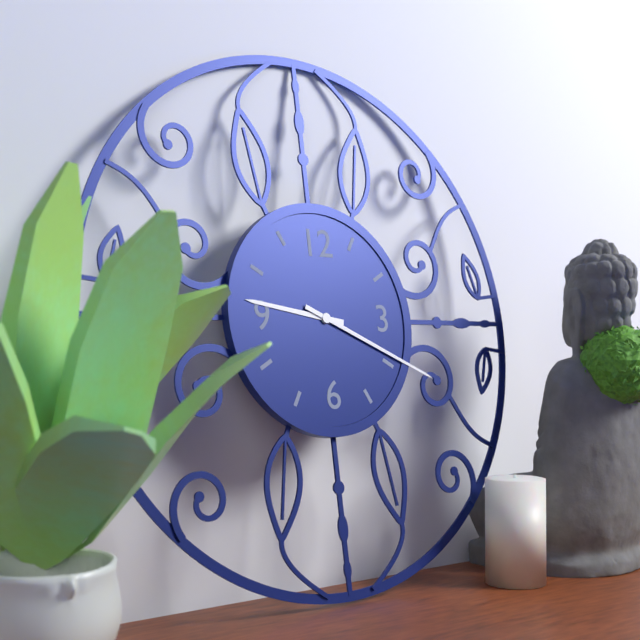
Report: 9:19
